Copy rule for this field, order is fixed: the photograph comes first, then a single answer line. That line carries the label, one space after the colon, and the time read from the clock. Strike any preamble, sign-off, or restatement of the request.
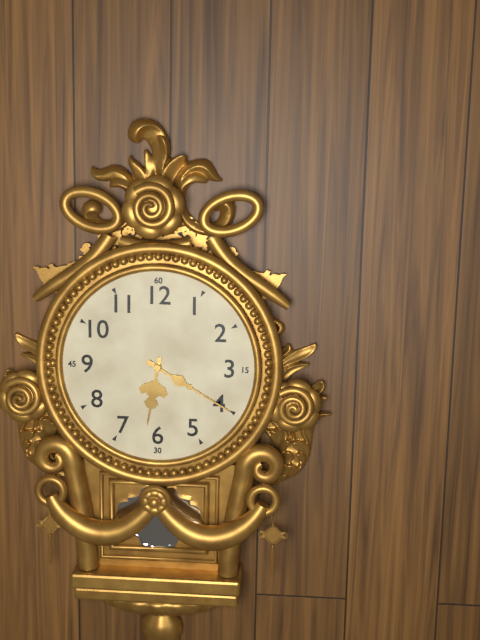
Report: 6:20
